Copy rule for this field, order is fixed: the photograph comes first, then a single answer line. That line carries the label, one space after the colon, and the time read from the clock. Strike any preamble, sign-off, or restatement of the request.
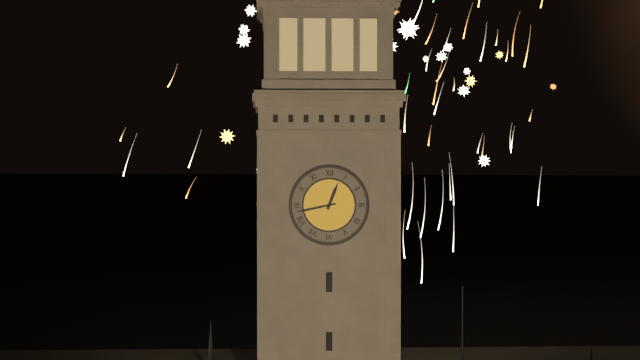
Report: 12:43
